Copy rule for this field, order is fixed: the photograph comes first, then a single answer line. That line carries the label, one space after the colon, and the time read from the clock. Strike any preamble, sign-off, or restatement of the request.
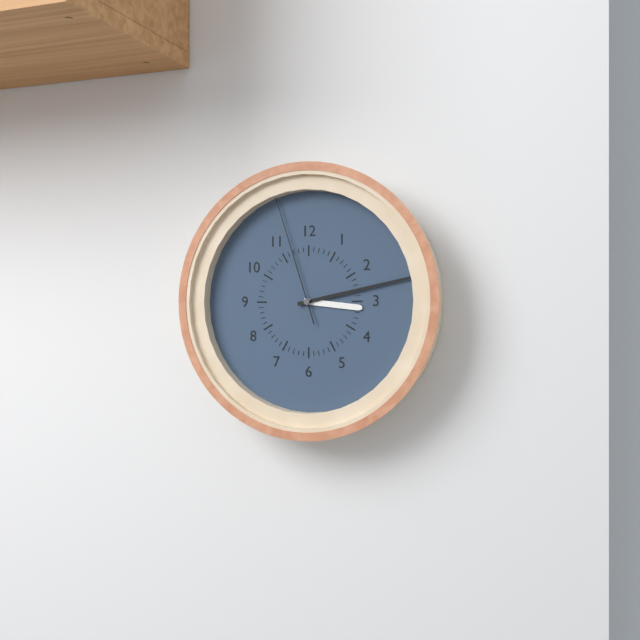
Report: 3:13:57
